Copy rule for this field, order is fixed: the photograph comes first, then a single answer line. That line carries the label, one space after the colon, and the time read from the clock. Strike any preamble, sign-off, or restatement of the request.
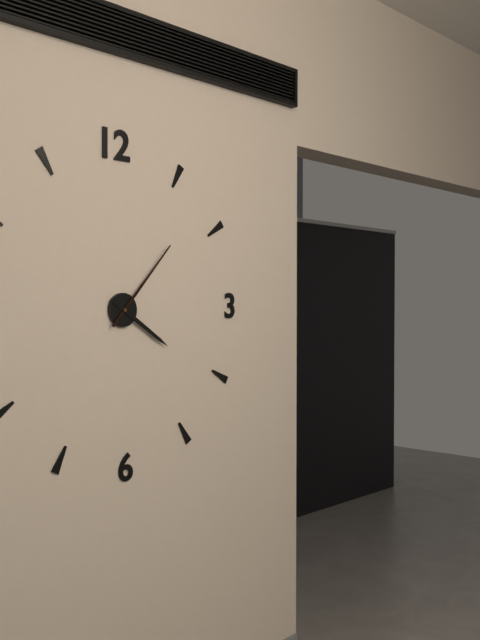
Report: 4:07
